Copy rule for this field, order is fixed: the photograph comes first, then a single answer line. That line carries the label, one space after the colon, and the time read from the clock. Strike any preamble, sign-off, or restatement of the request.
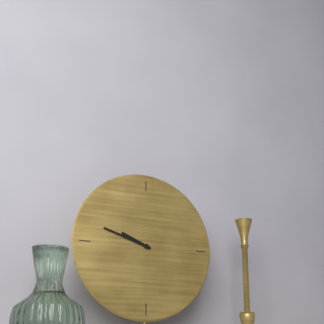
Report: 9:48
